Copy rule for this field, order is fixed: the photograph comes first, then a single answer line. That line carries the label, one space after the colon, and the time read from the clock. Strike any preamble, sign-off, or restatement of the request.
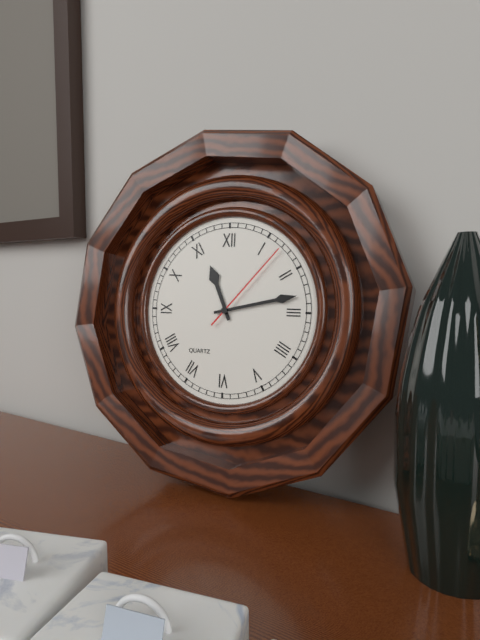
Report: 11:13:07
